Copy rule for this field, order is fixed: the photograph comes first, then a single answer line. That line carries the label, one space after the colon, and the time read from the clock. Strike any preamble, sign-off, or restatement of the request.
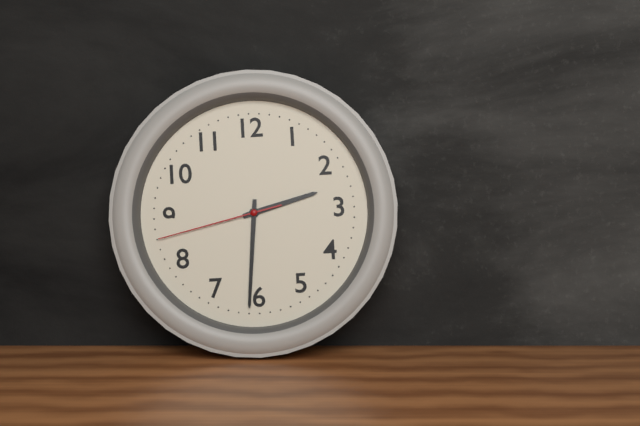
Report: 2:31:43
